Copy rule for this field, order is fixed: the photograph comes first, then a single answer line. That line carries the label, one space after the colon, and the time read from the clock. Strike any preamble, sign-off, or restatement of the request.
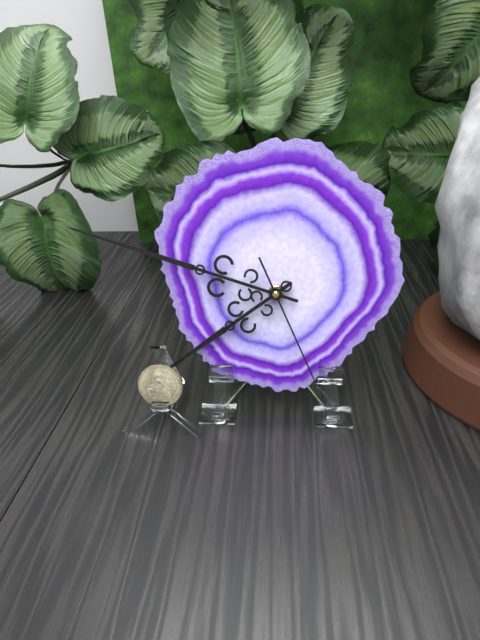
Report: 7:48:26
